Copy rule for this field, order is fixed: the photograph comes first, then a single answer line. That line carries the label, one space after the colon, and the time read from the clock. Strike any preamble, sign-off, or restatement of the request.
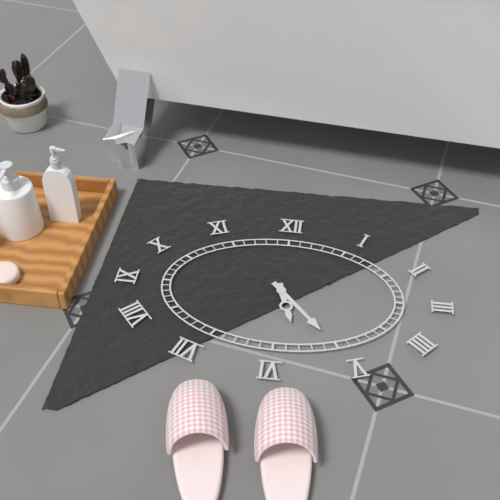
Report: 5:23
